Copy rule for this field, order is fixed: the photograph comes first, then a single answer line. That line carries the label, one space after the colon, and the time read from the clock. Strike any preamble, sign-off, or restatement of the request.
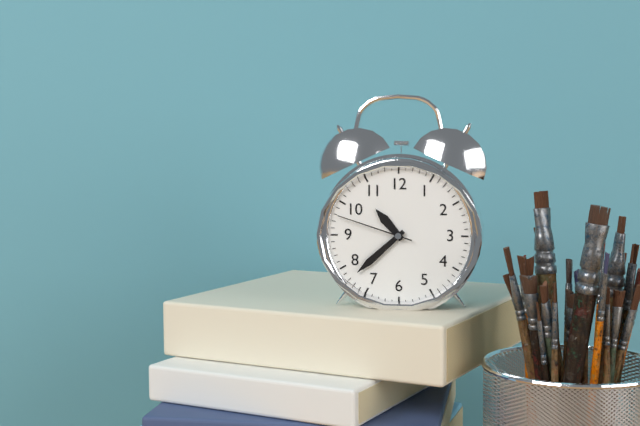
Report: 10:38:48
